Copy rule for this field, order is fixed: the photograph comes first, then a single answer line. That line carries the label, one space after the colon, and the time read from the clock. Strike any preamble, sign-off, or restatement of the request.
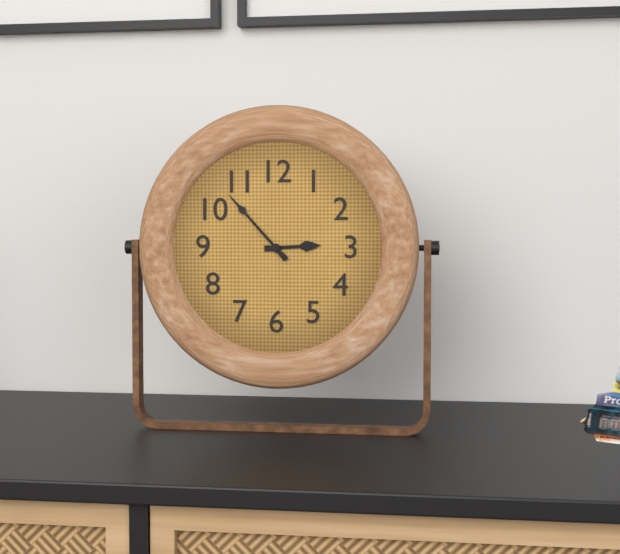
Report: 2:53
